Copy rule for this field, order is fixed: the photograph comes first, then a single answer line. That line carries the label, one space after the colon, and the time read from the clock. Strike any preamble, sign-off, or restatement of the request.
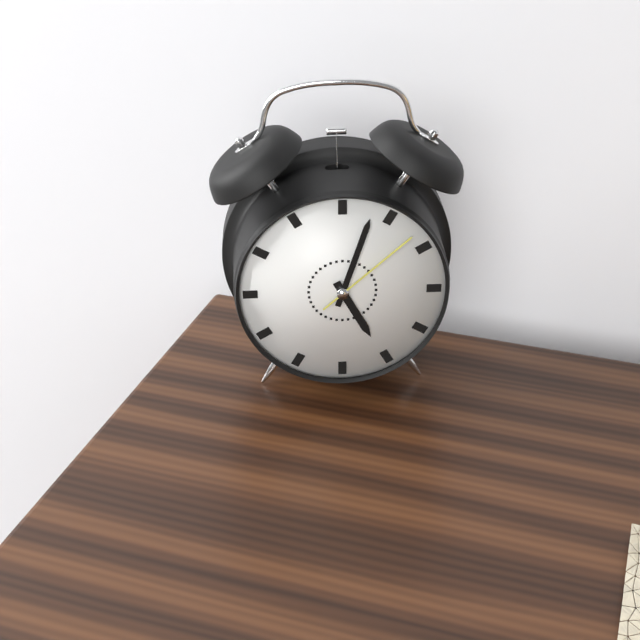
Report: 5:03:08
